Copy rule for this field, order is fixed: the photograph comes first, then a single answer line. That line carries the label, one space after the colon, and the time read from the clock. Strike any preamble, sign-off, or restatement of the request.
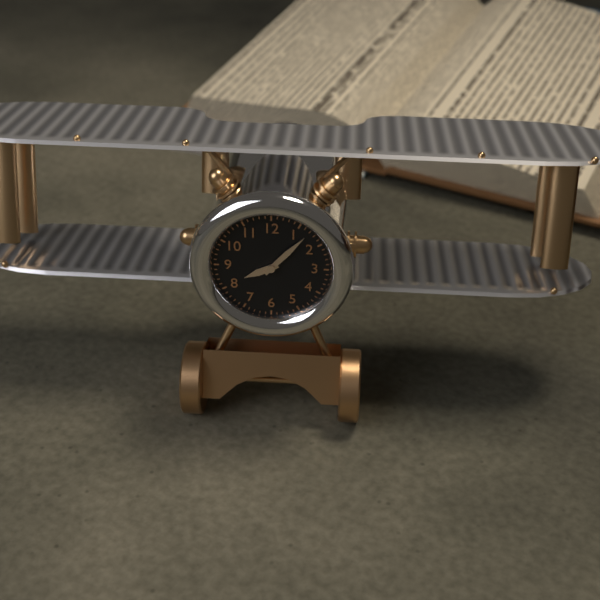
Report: 8:07
